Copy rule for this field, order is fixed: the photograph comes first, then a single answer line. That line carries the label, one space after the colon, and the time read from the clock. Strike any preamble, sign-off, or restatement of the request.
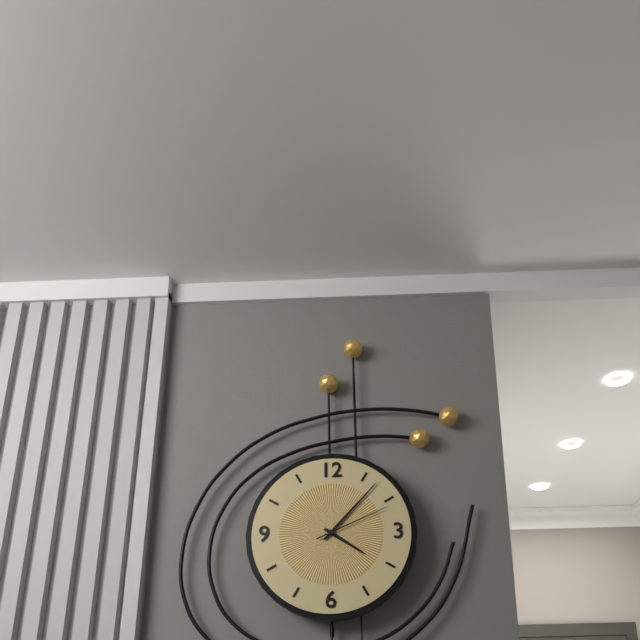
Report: 4:07:11
